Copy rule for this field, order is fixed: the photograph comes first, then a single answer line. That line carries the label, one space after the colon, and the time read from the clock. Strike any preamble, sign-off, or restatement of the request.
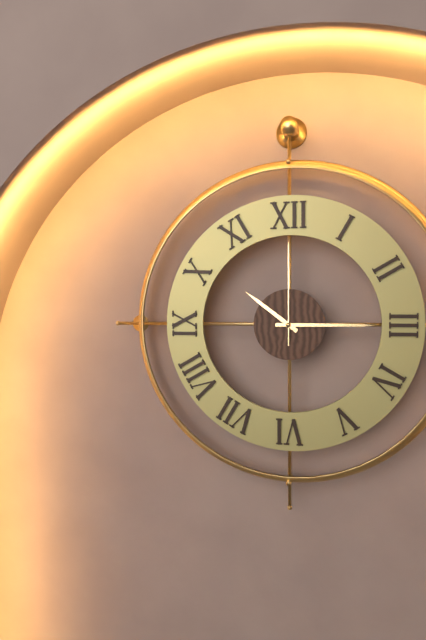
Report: 10:15:00
